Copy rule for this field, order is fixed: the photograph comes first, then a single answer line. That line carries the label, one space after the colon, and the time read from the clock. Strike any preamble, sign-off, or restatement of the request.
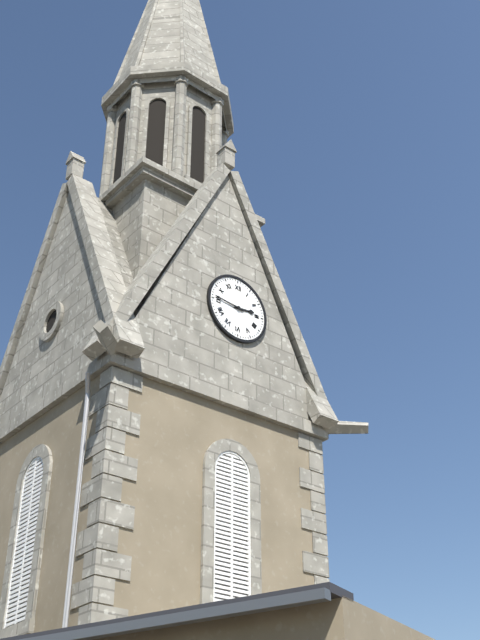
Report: 2:46
